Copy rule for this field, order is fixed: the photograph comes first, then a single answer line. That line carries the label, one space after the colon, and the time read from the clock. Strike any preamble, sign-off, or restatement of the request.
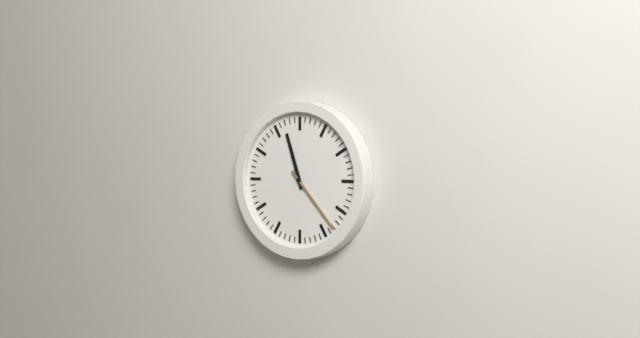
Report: 11:23
